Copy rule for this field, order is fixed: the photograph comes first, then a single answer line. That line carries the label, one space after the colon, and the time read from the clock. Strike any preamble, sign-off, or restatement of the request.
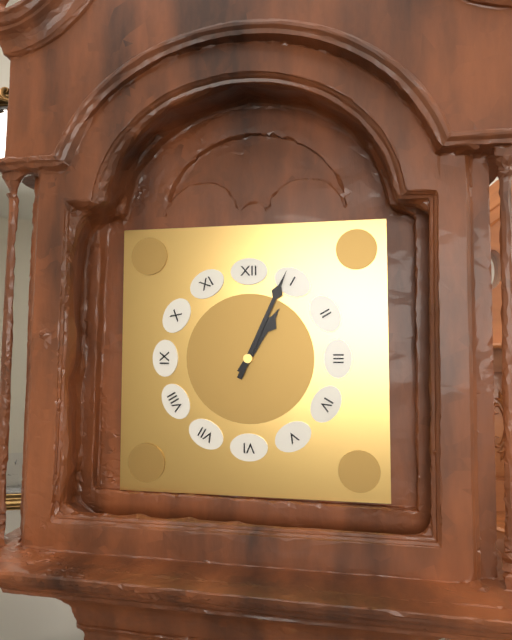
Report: 1:04
